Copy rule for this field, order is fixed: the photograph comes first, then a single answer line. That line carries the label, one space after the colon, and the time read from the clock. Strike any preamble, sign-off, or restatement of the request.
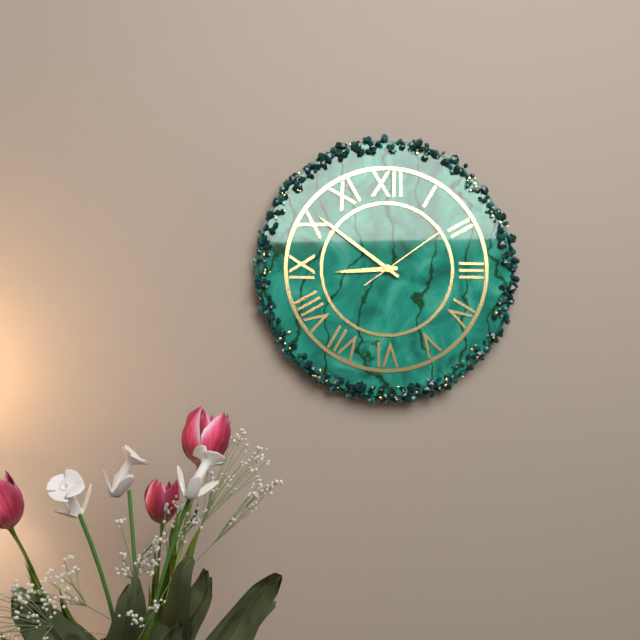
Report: 8:51:09
